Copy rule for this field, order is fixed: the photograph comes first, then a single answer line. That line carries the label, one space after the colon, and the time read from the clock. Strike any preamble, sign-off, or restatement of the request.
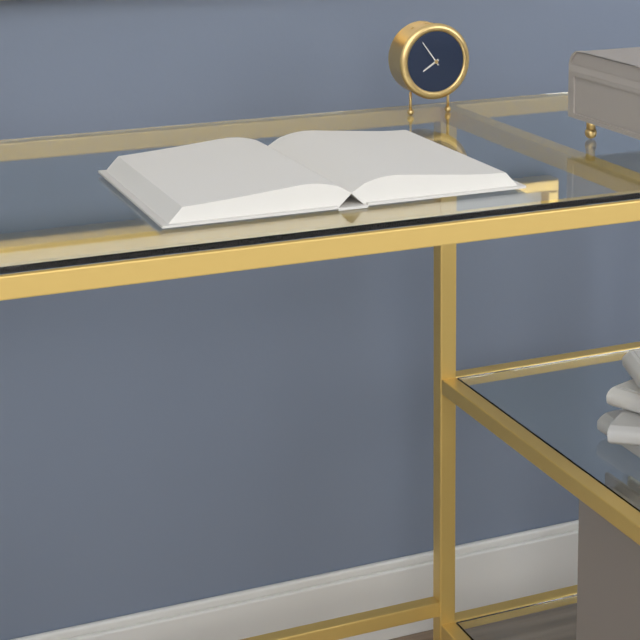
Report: 7:54
